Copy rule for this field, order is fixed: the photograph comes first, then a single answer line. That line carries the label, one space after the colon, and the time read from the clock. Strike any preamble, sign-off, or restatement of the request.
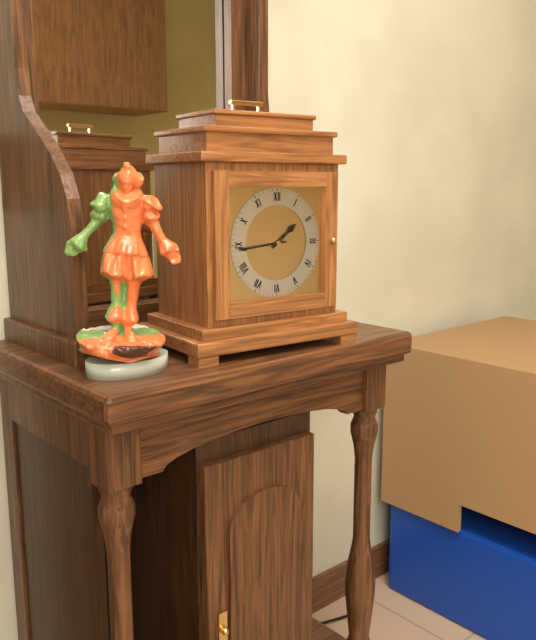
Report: 1:44
